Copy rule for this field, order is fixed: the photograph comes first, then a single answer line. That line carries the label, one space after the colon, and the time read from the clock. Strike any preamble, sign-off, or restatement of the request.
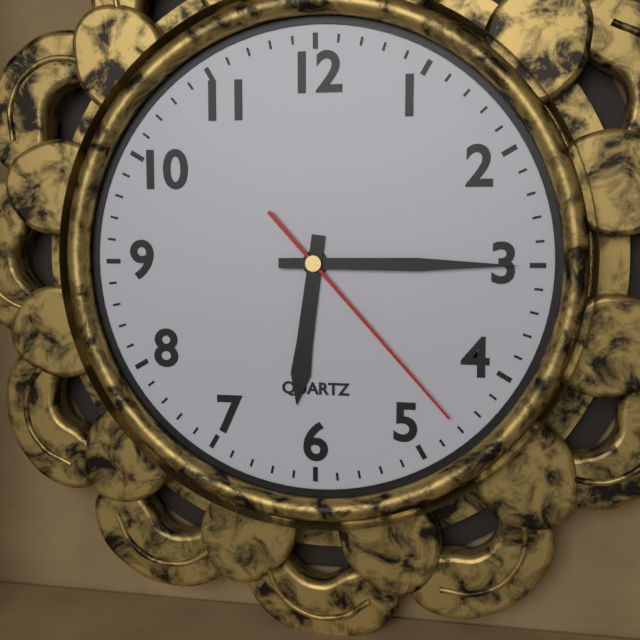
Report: 6:15:23
